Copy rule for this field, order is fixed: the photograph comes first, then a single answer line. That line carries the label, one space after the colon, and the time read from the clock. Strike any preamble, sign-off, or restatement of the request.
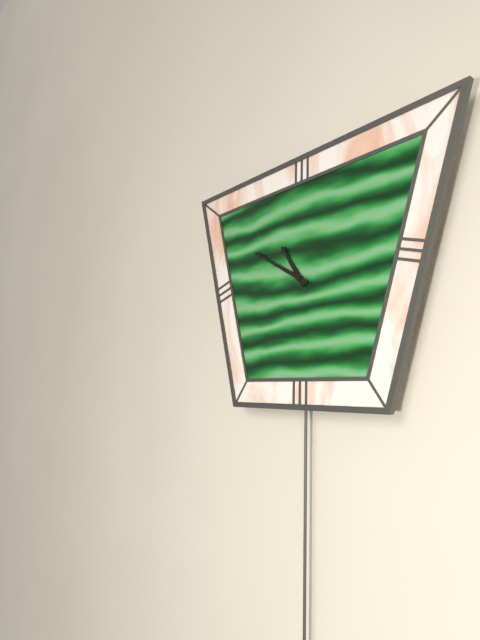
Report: 10:50
